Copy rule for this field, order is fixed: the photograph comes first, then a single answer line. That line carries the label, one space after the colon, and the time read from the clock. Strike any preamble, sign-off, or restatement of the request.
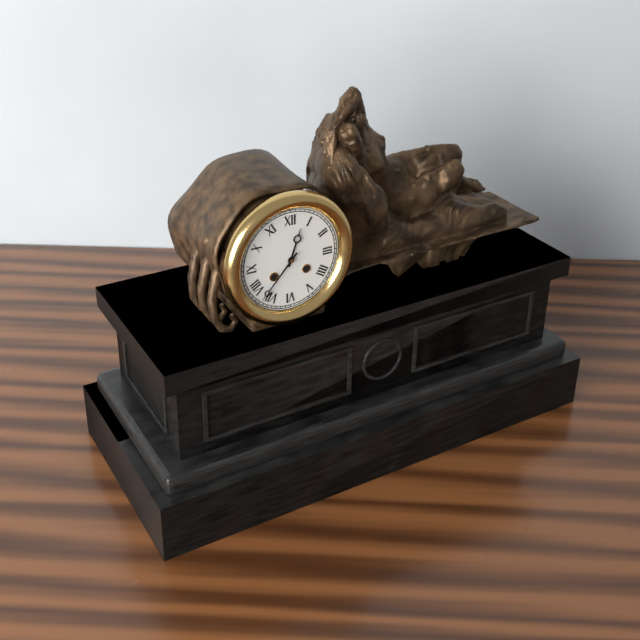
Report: 12:37
